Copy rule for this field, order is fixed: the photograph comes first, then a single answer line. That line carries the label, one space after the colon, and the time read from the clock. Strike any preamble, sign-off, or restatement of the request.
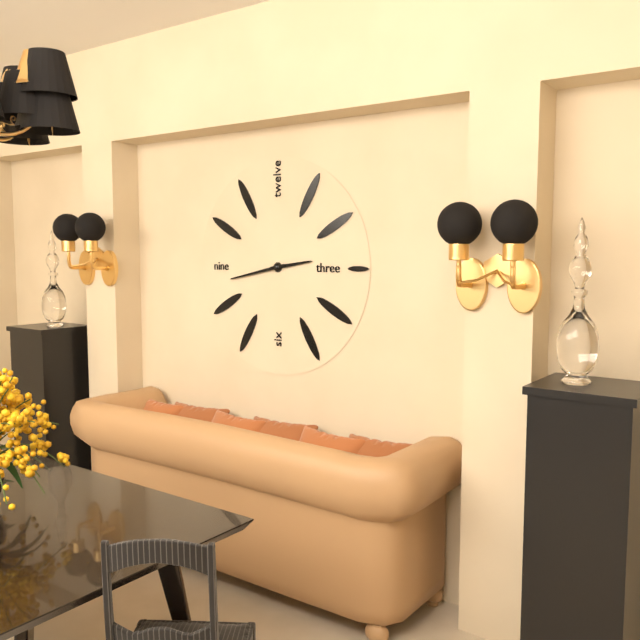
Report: 2:43
